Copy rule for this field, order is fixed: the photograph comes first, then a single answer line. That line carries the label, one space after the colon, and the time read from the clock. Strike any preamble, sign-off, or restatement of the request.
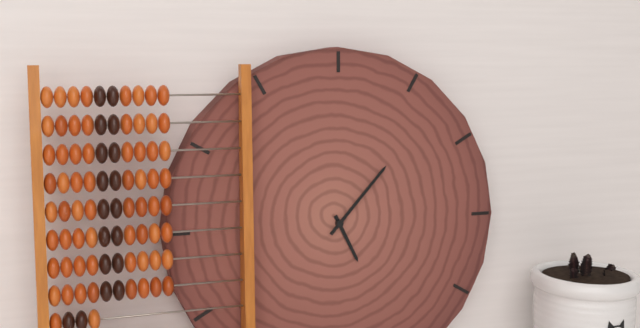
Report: 5:07
